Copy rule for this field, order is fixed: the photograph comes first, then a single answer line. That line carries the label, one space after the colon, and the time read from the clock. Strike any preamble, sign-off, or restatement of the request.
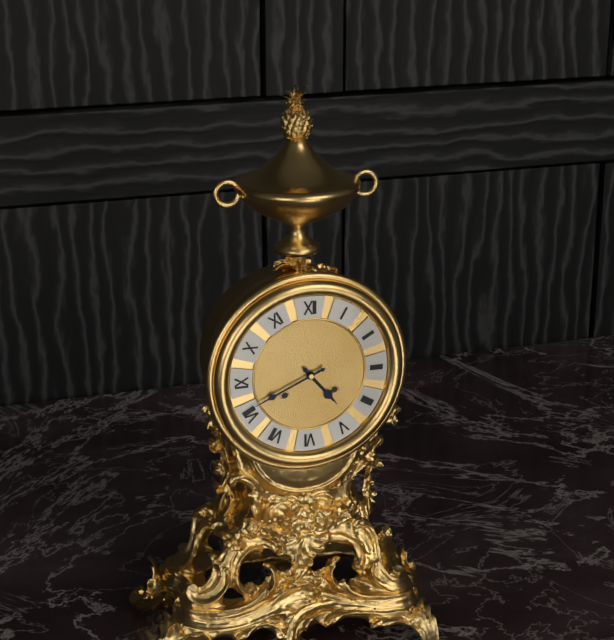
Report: 4:41
